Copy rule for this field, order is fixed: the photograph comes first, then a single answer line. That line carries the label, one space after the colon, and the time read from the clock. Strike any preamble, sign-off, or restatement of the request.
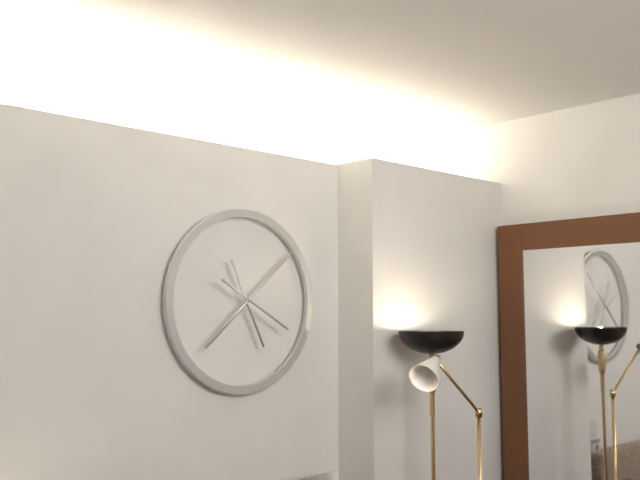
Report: 5:08:20
